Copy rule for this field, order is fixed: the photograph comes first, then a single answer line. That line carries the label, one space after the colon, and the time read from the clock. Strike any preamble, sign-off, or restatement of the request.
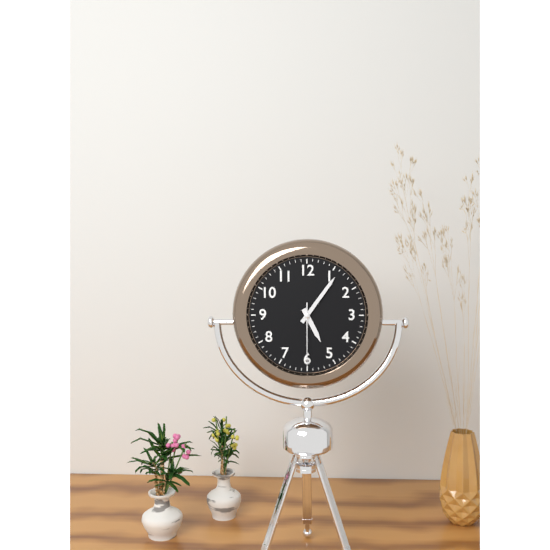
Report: 5:06:30
